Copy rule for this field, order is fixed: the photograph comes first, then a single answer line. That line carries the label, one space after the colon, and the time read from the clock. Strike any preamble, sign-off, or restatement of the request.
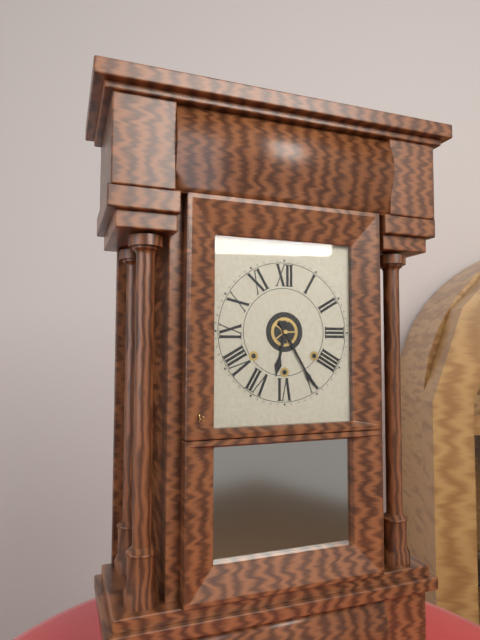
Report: 6:25
